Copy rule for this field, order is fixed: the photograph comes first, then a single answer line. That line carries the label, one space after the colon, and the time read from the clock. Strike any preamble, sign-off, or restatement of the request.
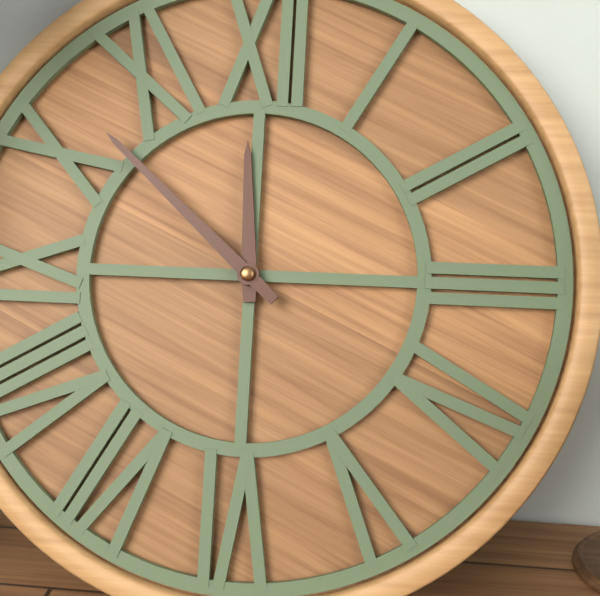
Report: 11:52
